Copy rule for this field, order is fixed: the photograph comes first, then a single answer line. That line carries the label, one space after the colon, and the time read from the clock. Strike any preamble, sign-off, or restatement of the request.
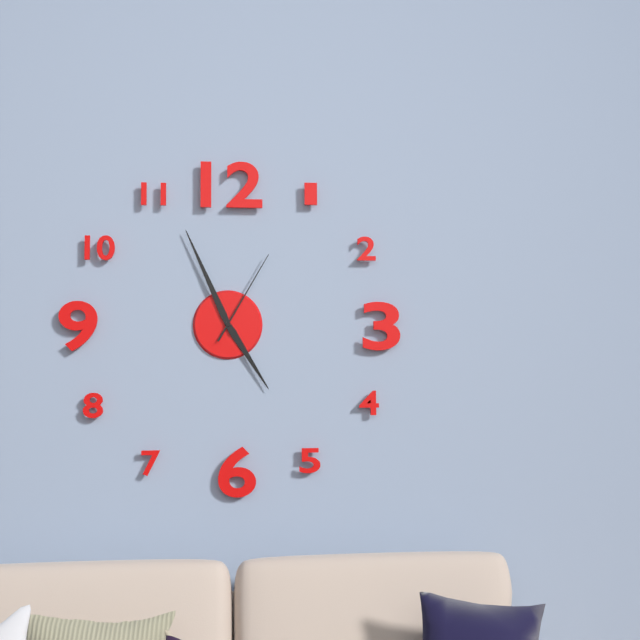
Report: 4:56:05
